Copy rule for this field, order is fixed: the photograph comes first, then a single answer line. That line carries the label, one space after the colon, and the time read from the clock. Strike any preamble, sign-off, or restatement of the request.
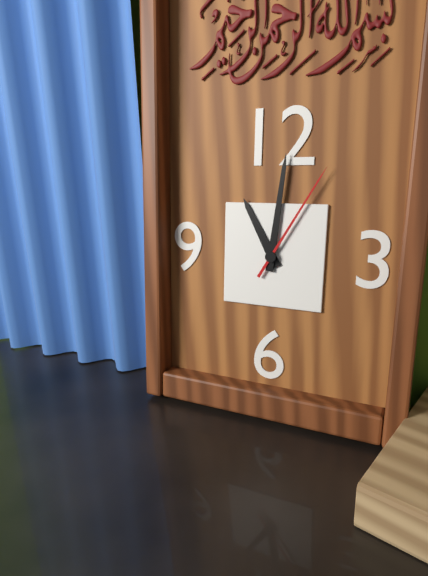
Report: 11:01:05
